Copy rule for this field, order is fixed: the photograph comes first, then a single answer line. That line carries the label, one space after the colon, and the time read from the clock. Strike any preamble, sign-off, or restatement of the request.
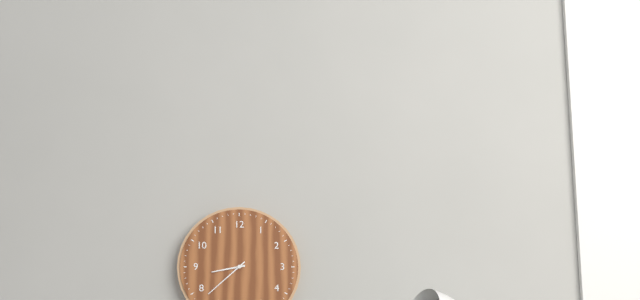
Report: 8:38
